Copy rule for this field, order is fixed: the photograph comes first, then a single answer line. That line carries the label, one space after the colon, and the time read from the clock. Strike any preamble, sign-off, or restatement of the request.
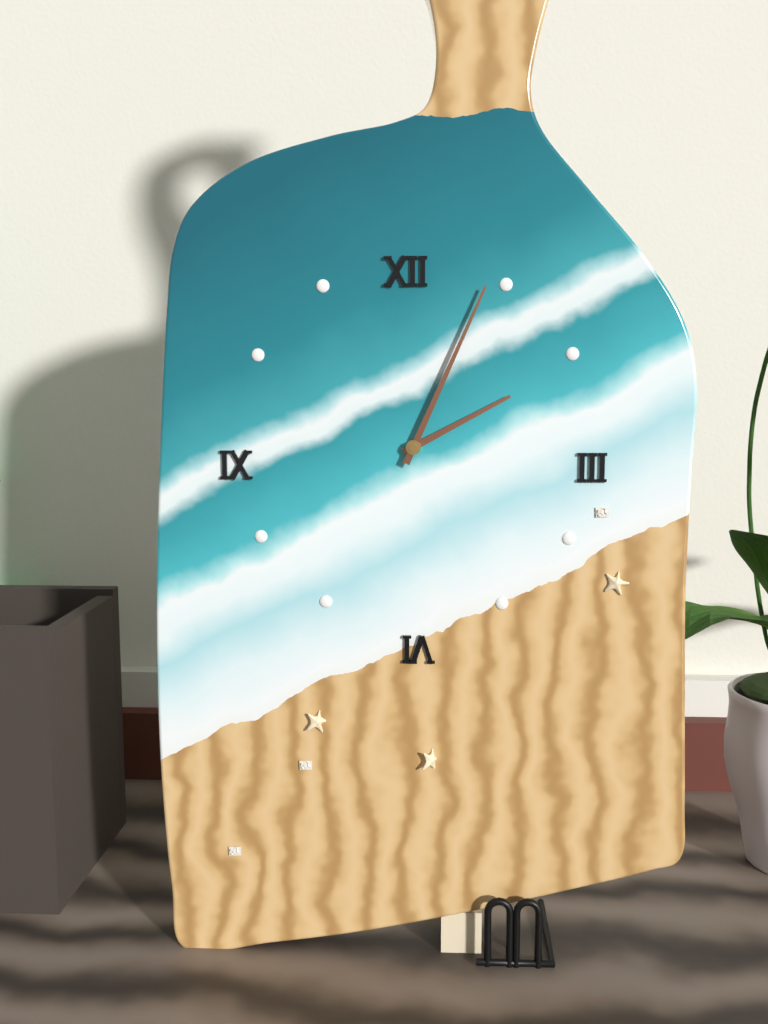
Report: 2:04
